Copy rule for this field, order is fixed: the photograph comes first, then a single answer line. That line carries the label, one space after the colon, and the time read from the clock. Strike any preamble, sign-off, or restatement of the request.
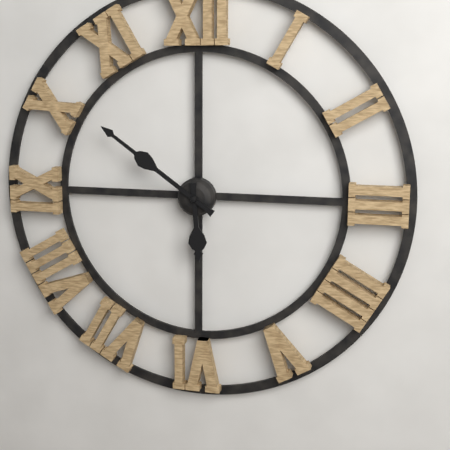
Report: 5:51
